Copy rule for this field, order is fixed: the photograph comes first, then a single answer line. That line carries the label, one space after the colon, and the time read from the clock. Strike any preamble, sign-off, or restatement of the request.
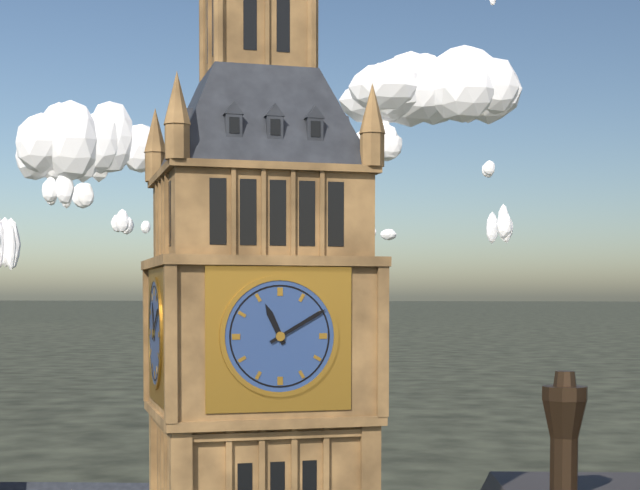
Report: 11:10
